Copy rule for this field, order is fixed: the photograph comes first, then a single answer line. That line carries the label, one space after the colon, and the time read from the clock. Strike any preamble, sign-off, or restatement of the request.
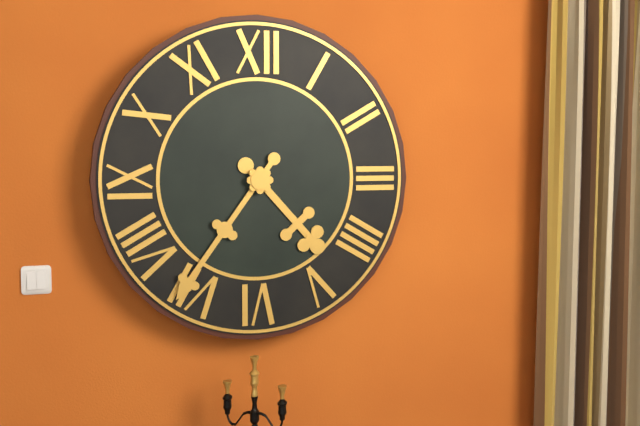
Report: 4:36
